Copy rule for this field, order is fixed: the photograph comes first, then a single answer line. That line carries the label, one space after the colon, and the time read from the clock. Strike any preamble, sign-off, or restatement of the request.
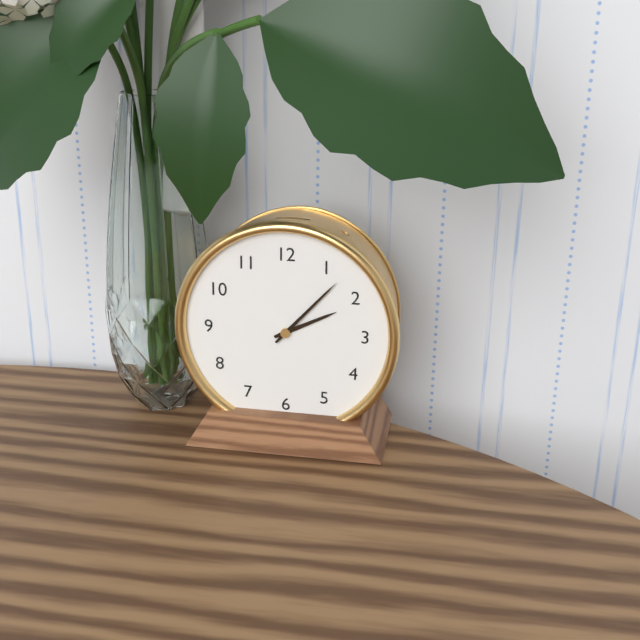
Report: 2:07
